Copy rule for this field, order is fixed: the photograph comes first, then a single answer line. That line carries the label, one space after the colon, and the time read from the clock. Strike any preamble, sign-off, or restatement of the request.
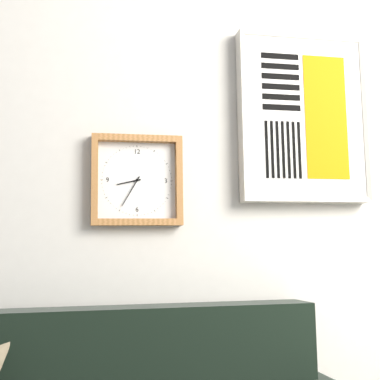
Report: 8:35
